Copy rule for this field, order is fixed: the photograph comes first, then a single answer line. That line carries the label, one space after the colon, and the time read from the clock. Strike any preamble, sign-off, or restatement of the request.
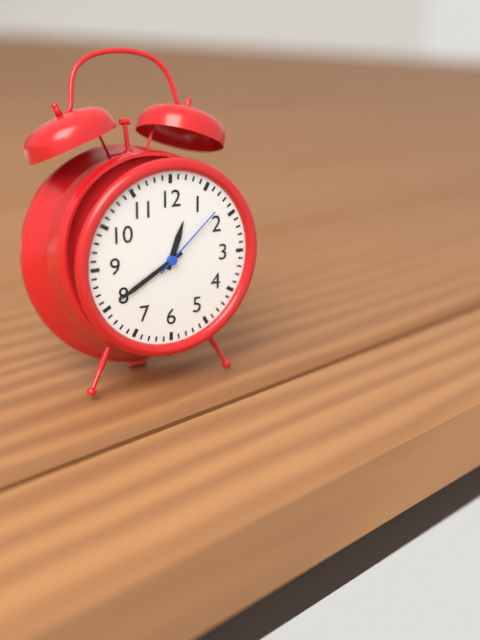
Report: 12:40:08
